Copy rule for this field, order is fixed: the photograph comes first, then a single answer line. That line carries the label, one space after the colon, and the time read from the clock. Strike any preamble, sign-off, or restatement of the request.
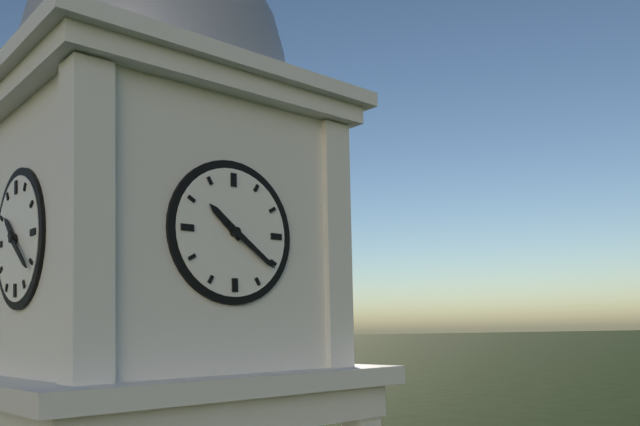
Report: 10:21
